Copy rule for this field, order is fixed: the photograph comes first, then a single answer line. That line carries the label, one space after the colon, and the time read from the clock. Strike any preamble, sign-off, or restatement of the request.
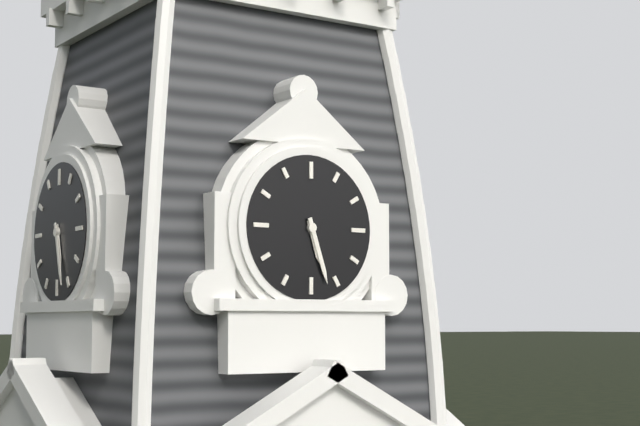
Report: 5:27
